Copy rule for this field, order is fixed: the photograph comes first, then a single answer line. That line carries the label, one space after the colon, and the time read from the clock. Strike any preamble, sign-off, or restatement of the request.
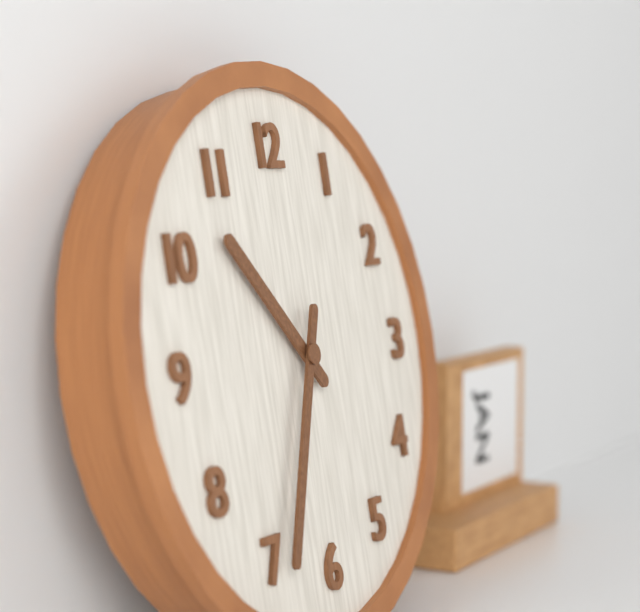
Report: 10:34
